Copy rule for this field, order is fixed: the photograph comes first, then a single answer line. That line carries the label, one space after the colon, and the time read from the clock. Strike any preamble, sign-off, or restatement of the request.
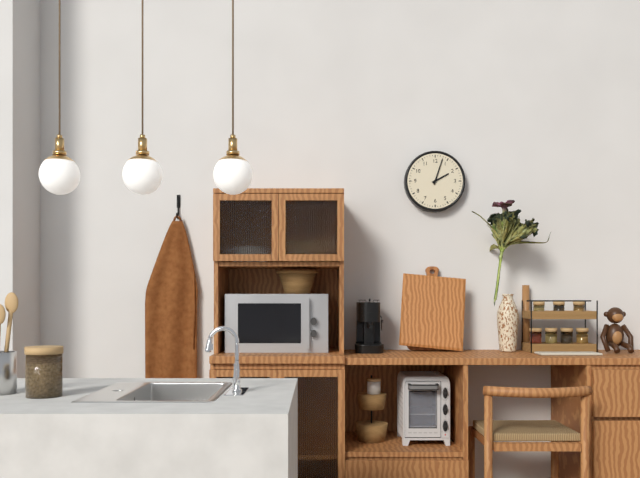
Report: 2:03
